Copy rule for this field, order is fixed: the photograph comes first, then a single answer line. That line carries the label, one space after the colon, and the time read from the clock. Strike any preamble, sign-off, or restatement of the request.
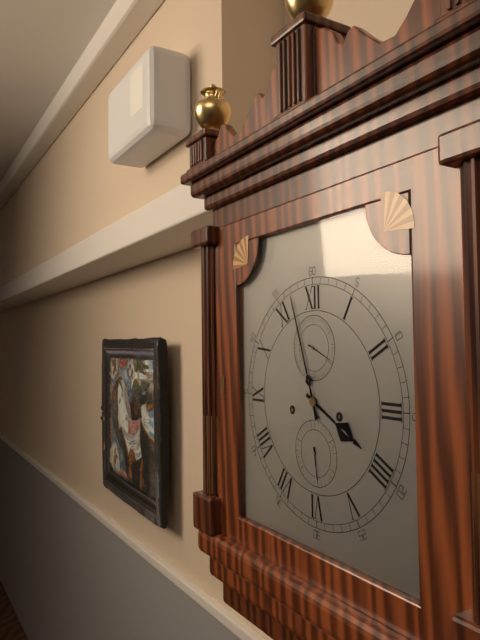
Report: 3:57
